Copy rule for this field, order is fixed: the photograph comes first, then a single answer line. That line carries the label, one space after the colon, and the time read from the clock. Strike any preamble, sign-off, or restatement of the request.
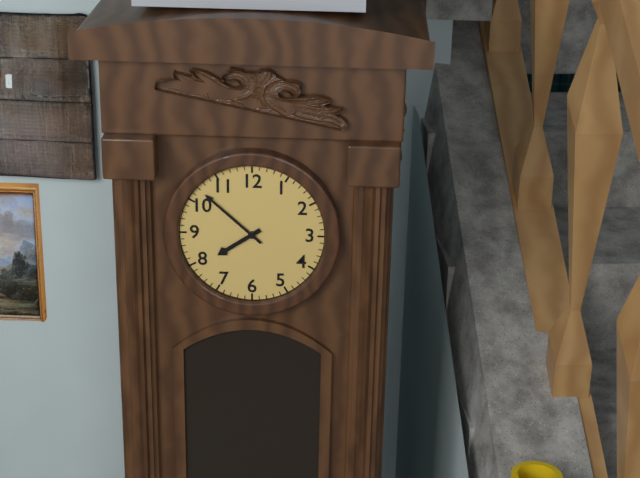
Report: 7:52
